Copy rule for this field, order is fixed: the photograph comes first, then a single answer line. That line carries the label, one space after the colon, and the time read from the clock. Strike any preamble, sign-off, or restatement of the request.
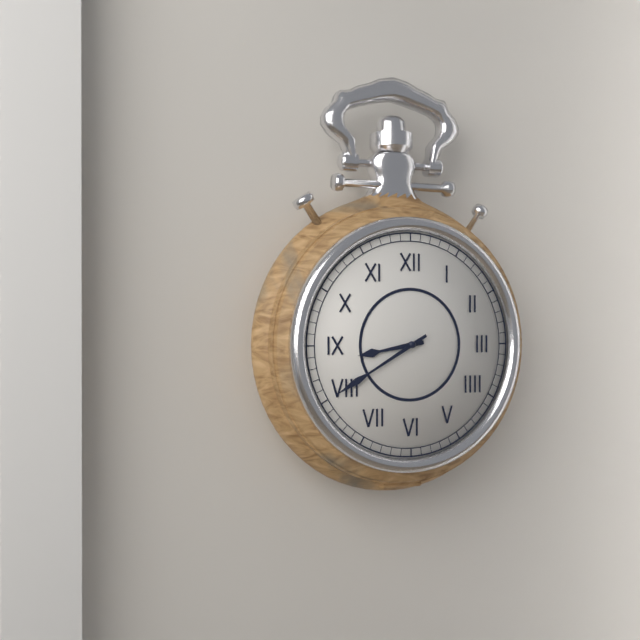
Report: 8:40
